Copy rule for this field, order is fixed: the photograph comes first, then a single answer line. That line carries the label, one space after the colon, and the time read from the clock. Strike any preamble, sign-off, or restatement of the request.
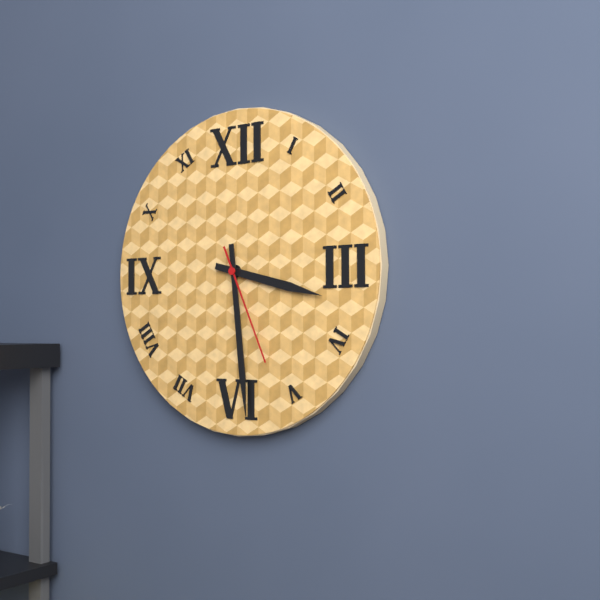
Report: 3:29:26
